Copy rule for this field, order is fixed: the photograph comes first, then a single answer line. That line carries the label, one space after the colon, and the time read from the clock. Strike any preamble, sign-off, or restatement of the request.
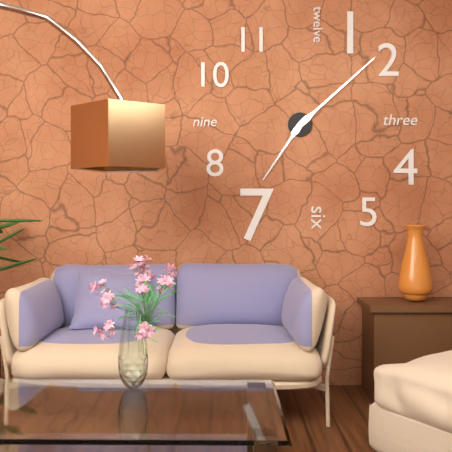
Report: 7:08
